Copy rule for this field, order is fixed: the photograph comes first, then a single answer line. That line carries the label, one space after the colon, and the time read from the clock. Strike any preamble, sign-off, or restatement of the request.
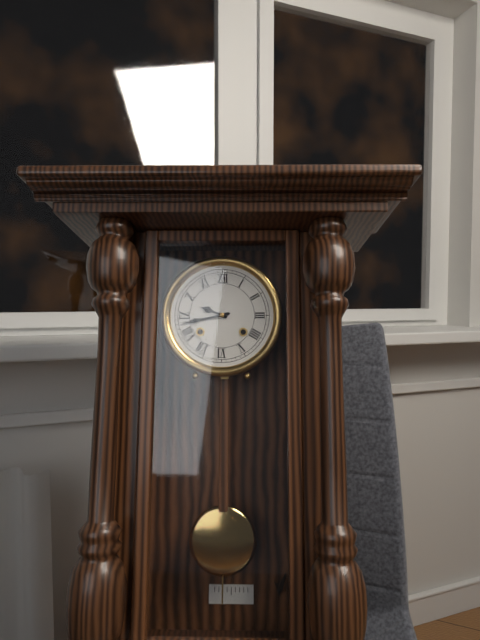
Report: 9:43
